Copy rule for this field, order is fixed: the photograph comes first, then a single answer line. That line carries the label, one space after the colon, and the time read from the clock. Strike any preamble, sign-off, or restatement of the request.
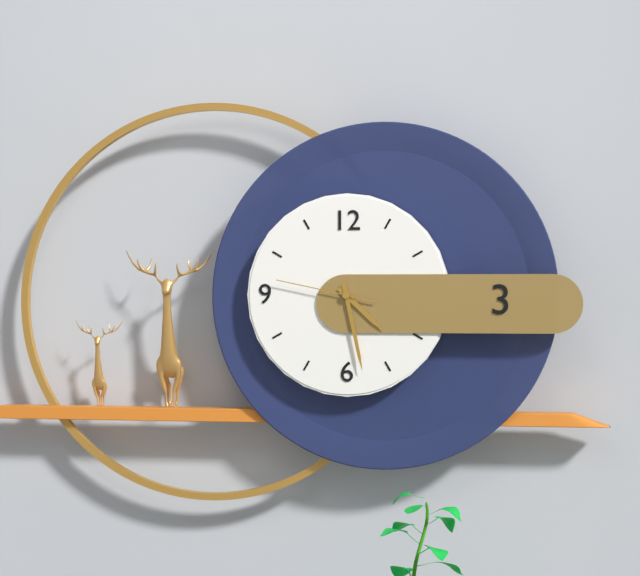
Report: 4:28:47
